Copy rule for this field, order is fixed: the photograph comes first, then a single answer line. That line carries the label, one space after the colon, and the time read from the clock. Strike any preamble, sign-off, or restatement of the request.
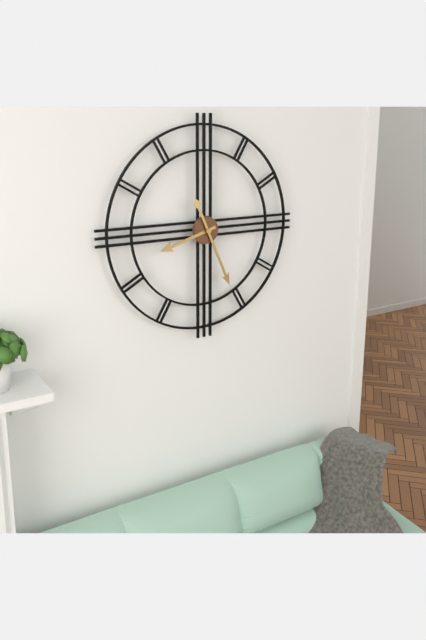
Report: 8:26
